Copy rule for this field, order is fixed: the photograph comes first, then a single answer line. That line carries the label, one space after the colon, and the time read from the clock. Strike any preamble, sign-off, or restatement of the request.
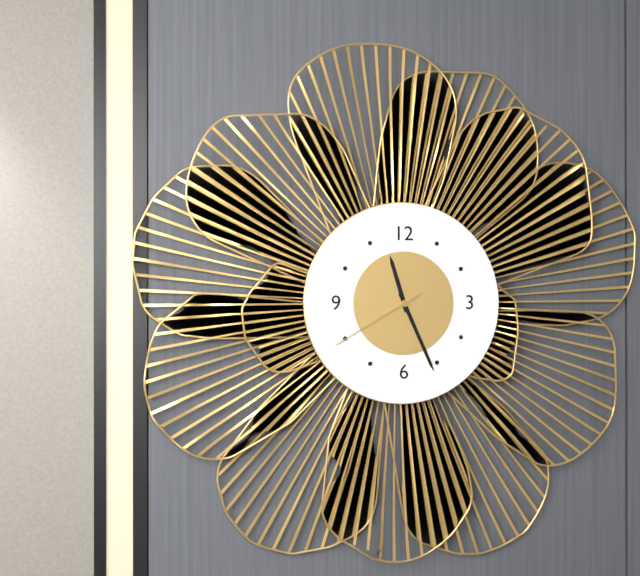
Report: 11:26:40
